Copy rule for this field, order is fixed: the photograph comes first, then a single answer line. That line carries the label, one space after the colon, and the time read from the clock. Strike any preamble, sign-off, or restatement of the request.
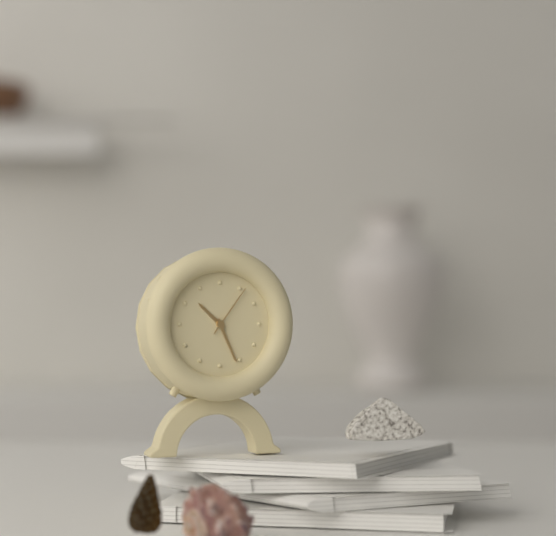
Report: 10:26:06
